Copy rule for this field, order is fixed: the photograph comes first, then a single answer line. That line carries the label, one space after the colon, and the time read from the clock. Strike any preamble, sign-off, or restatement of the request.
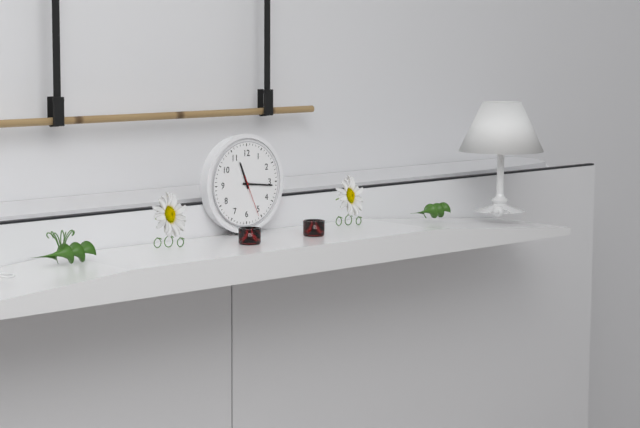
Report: 11:16
